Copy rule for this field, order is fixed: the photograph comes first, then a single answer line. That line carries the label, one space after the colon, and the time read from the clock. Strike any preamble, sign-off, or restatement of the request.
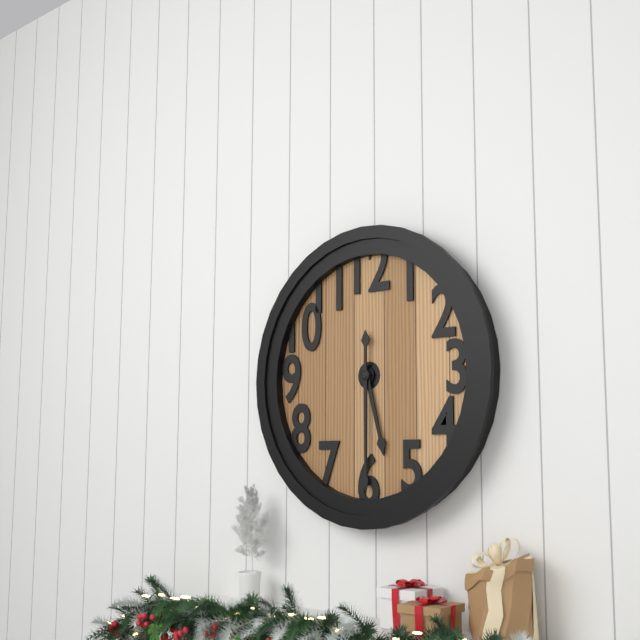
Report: 5:30
